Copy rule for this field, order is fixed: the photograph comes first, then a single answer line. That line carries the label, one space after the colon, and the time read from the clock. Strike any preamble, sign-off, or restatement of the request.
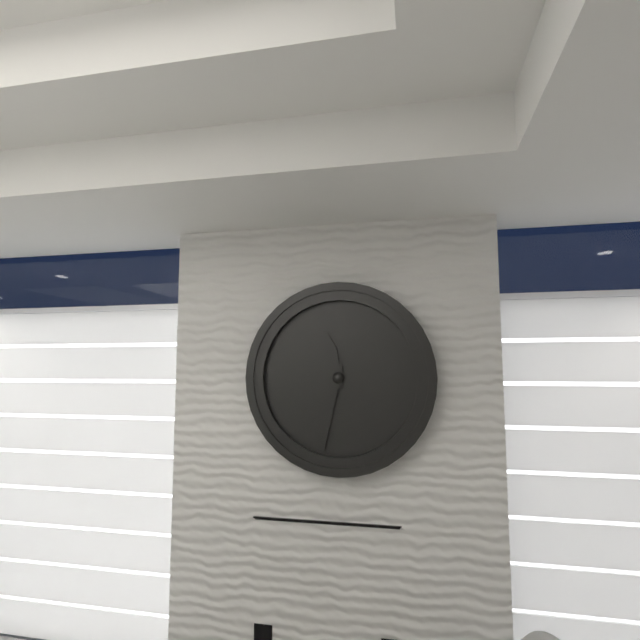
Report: 11:32
